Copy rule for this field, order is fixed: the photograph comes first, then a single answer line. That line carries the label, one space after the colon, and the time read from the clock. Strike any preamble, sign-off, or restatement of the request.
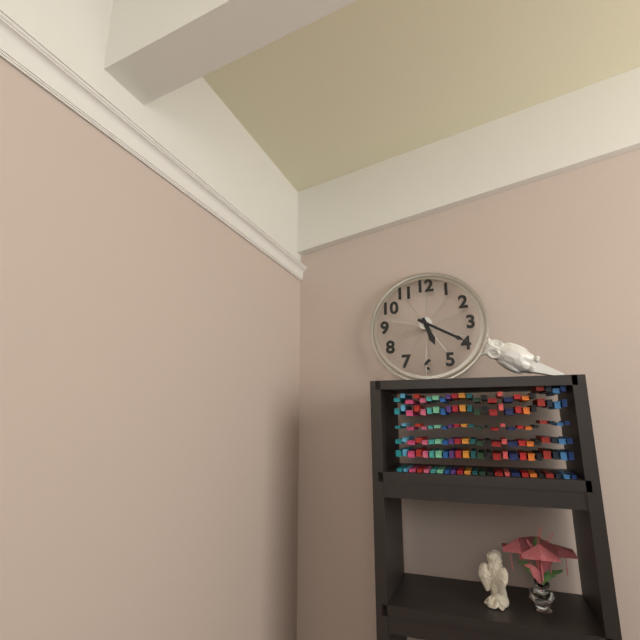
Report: 5:20
